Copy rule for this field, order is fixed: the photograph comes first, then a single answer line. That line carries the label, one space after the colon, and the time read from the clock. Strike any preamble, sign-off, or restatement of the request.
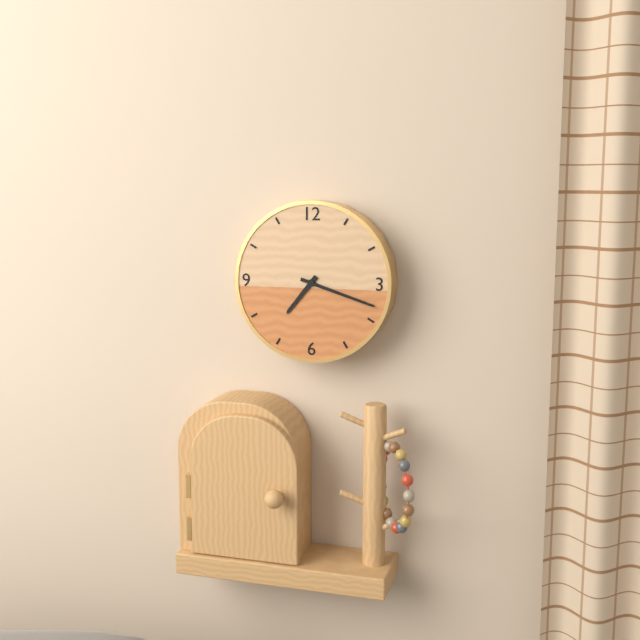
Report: 7:18
